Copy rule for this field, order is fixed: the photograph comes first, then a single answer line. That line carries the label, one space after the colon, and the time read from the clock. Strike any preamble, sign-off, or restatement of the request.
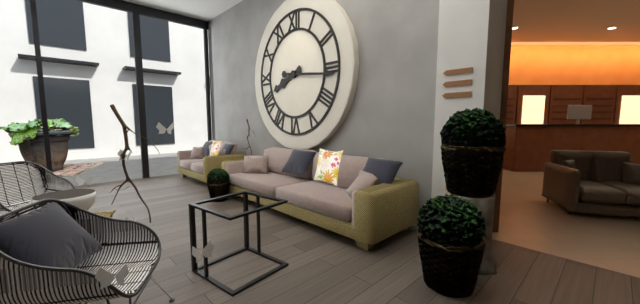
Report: 8:16
